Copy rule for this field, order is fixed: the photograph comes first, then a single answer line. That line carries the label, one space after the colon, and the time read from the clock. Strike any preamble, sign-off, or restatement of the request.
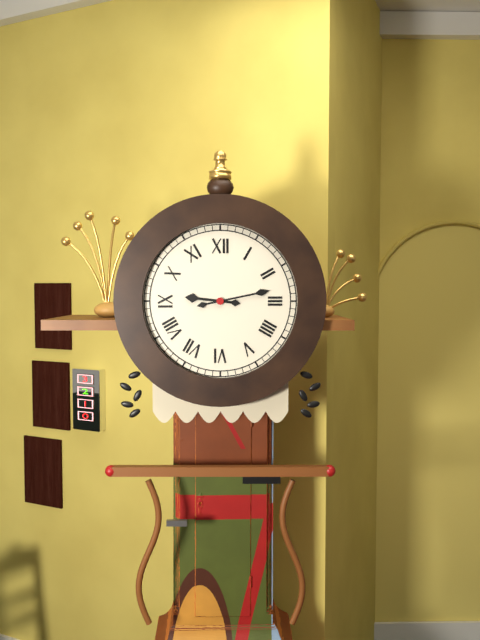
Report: 9:13
